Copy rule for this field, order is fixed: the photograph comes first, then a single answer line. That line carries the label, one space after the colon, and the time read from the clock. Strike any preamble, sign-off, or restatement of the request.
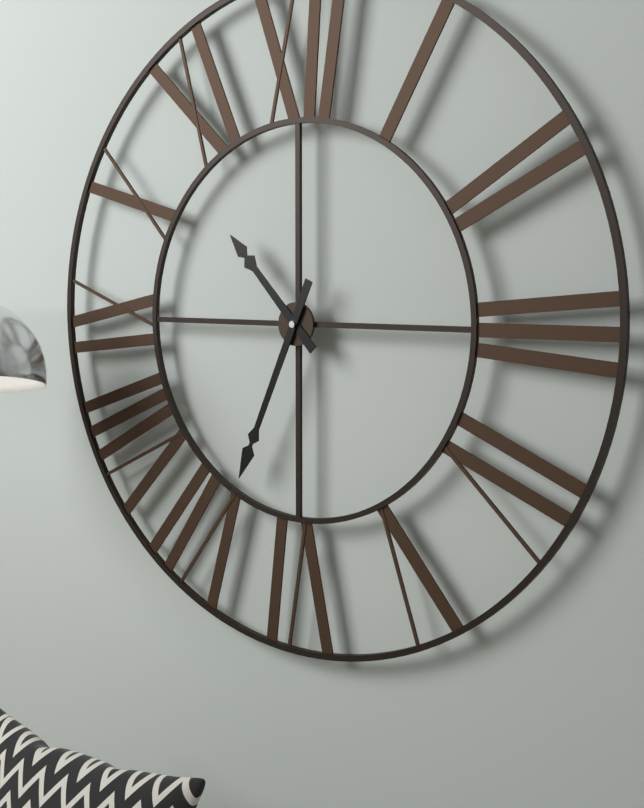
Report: 10:34
